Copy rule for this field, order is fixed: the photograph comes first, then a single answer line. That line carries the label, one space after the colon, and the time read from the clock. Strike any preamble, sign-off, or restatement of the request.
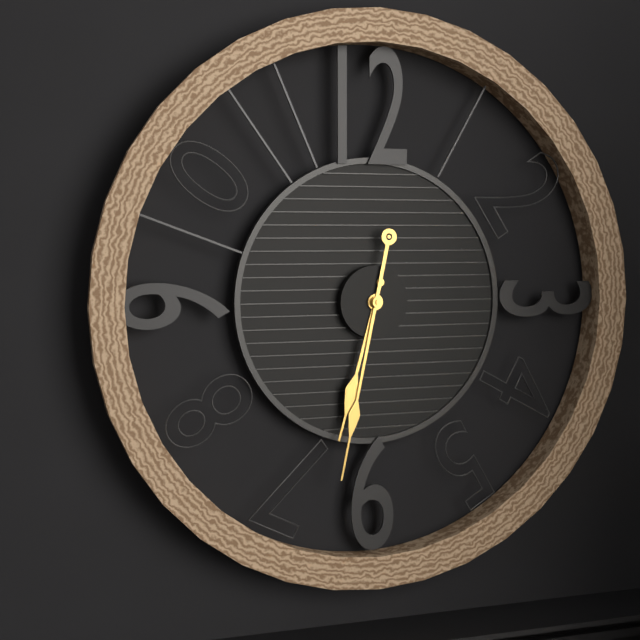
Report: 6:32
